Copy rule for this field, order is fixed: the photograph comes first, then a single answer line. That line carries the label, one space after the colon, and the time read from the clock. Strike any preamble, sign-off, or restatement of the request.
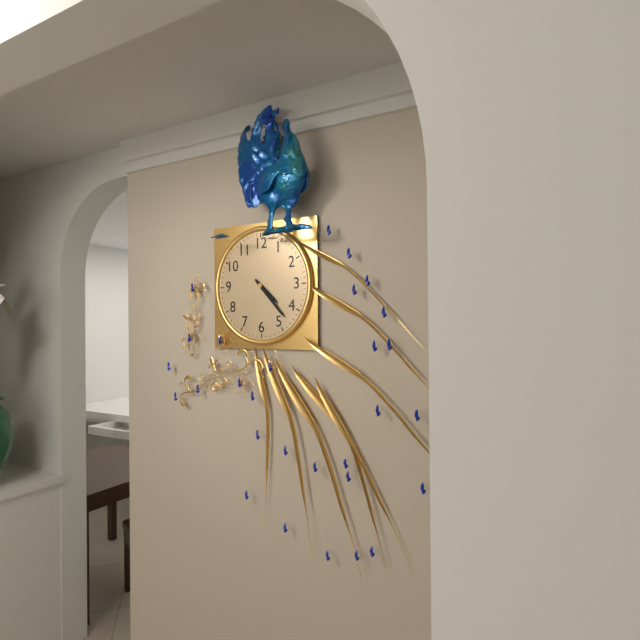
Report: 4:23
